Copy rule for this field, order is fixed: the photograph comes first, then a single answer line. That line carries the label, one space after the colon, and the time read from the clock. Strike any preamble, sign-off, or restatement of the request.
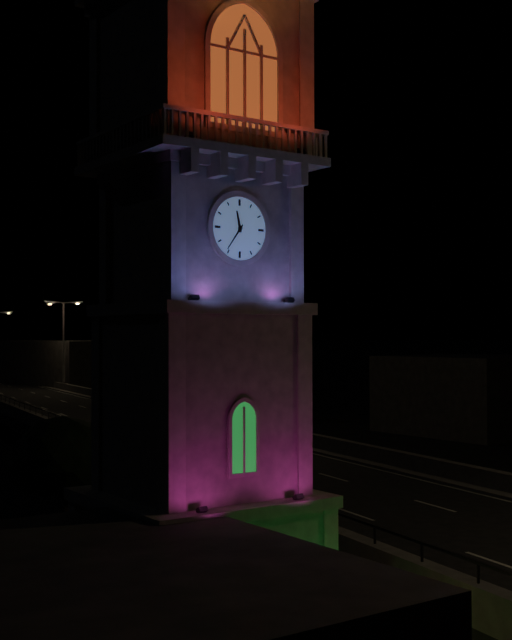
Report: 11:36
